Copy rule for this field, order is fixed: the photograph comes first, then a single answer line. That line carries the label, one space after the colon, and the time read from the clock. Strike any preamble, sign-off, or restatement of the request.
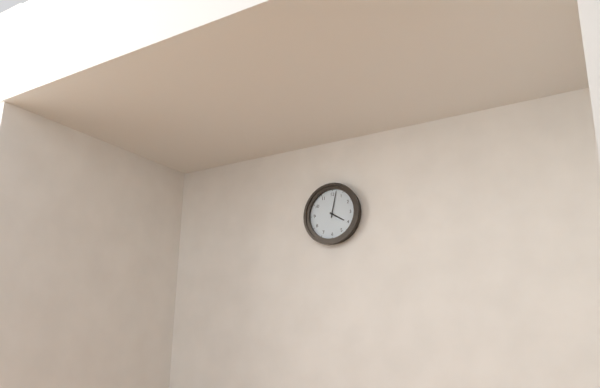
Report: 4:02
